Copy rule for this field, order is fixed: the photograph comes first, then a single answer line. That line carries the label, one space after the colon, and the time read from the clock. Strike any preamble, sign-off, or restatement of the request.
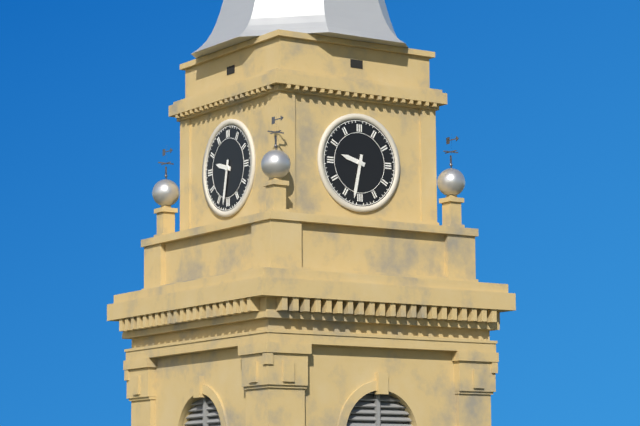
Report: 9:32
